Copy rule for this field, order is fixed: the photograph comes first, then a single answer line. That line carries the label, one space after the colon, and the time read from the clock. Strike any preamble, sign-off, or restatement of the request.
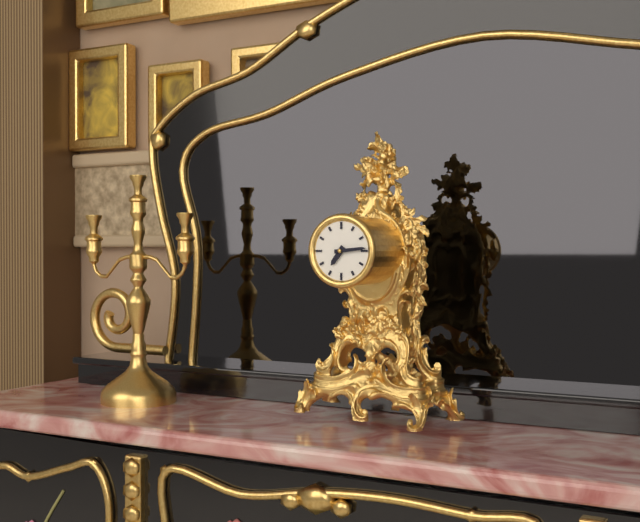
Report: 7:14
